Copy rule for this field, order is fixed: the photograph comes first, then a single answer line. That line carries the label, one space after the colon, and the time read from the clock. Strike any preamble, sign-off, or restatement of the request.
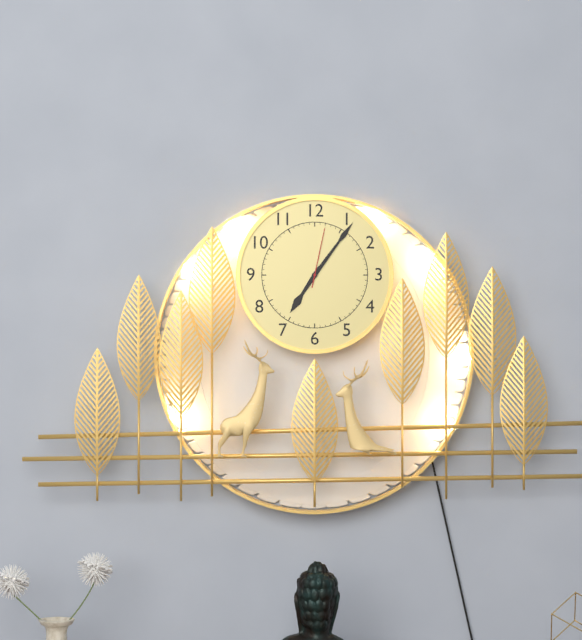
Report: 7:06:02
